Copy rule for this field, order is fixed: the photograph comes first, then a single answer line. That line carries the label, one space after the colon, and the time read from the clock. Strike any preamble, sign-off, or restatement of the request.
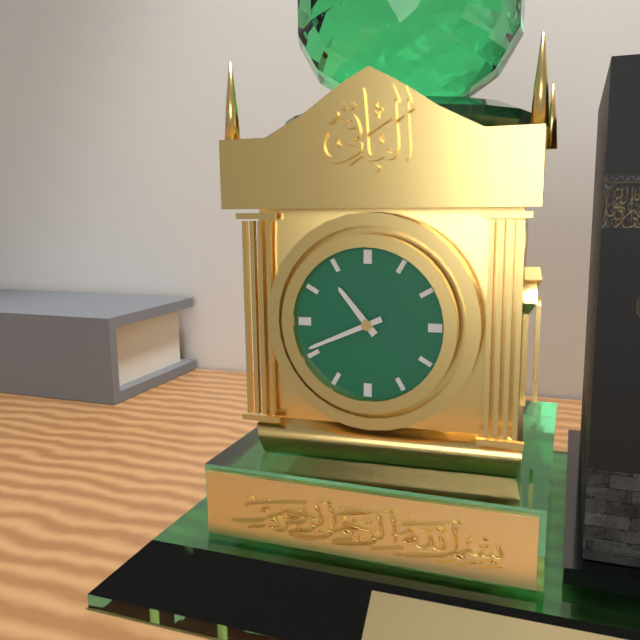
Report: 10:41
